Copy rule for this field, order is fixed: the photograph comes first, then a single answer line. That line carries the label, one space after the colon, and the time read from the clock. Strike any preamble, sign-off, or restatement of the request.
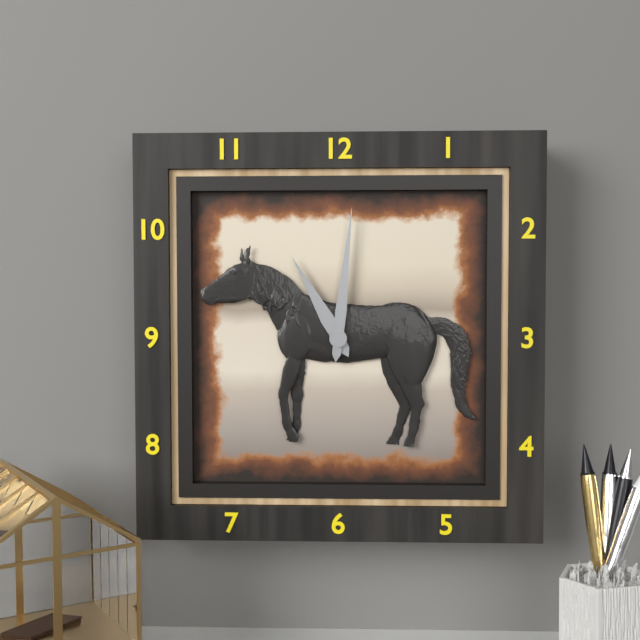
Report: 11:01
